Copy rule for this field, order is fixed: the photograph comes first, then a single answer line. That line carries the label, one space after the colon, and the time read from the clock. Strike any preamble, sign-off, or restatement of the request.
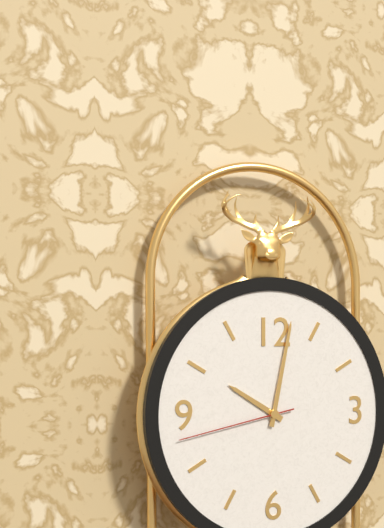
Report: 10:02:43
